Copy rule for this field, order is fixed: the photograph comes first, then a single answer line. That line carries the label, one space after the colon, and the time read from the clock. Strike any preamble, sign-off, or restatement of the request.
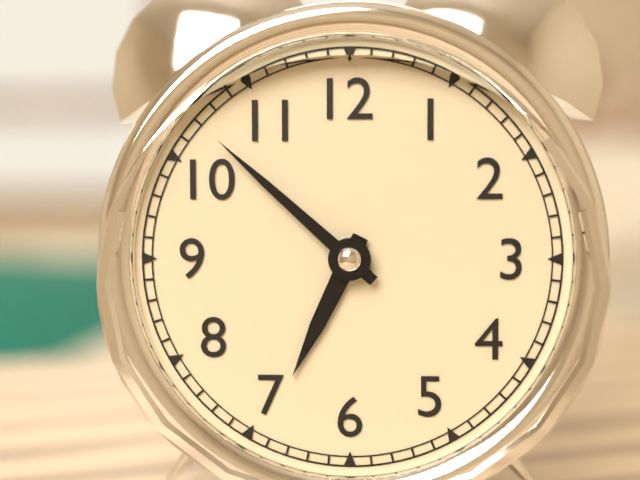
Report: 6:52
